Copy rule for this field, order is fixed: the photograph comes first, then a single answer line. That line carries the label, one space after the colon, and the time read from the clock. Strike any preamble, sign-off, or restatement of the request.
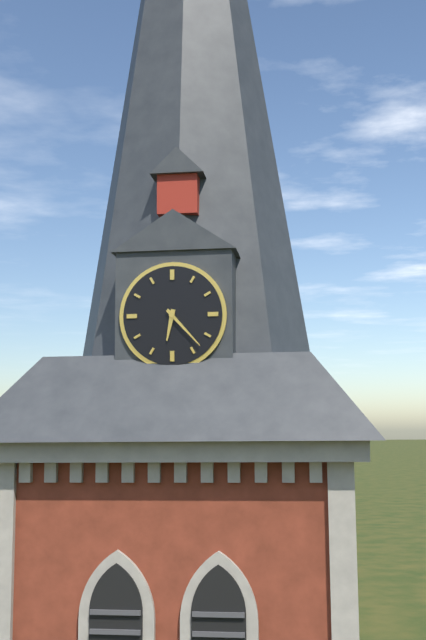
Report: 6:23
